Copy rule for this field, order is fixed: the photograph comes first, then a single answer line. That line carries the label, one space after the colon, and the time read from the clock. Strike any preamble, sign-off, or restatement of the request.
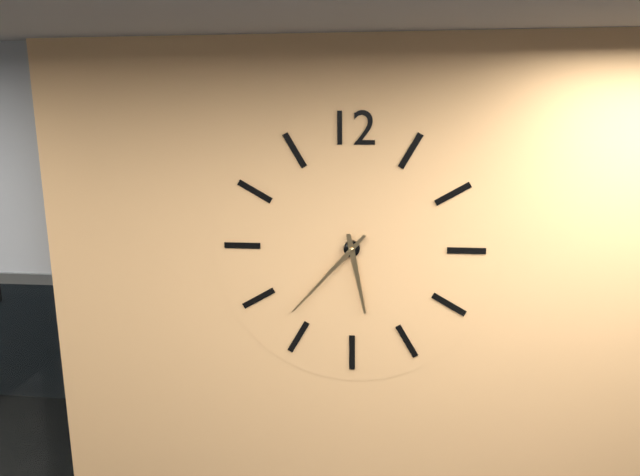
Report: 5:37
